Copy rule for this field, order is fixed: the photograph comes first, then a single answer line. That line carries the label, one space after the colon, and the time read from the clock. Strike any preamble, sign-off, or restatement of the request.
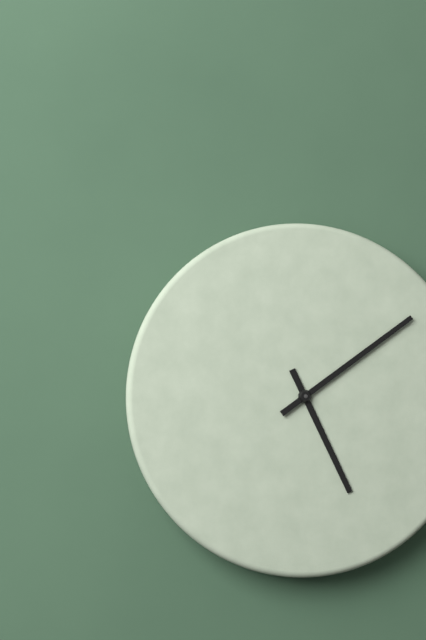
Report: 5:09
